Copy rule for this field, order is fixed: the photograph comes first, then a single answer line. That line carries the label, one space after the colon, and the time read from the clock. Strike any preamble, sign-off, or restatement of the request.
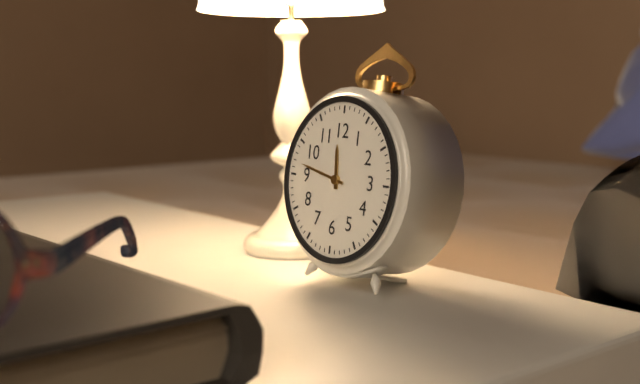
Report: 11:47
